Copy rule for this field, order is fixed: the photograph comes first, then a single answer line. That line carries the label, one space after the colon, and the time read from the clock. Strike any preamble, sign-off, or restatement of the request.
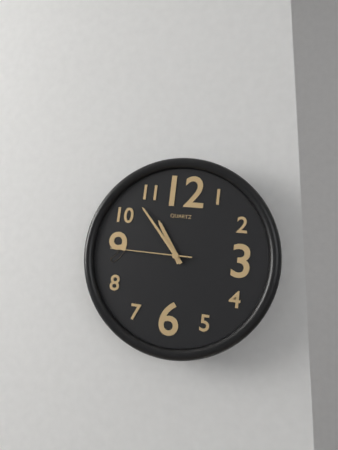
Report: 10:53:45
